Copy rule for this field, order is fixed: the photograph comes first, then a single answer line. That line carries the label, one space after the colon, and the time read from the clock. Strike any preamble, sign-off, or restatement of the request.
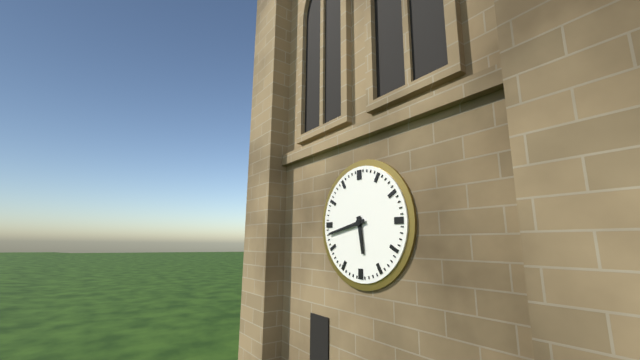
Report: 5:43
